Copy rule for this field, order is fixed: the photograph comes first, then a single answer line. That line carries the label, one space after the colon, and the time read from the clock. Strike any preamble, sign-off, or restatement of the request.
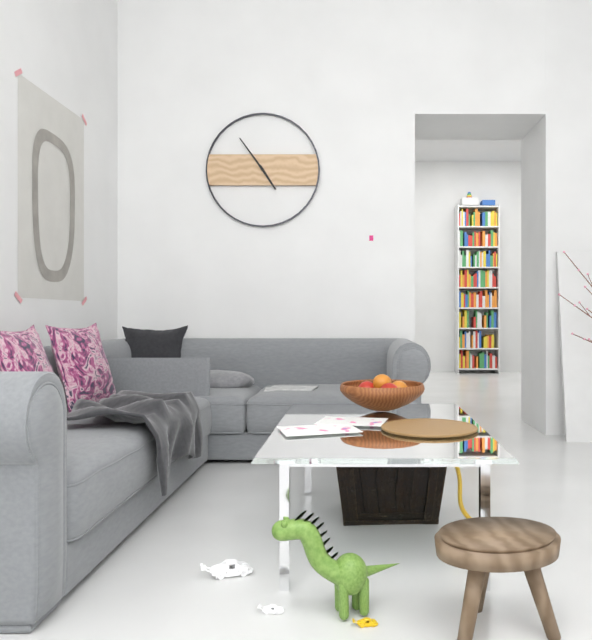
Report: 4:54
